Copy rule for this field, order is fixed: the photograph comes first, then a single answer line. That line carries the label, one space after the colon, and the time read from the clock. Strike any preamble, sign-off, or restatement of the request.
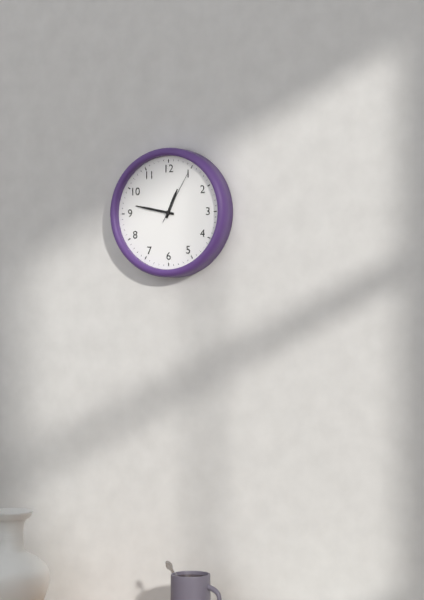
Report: 12:47:05
